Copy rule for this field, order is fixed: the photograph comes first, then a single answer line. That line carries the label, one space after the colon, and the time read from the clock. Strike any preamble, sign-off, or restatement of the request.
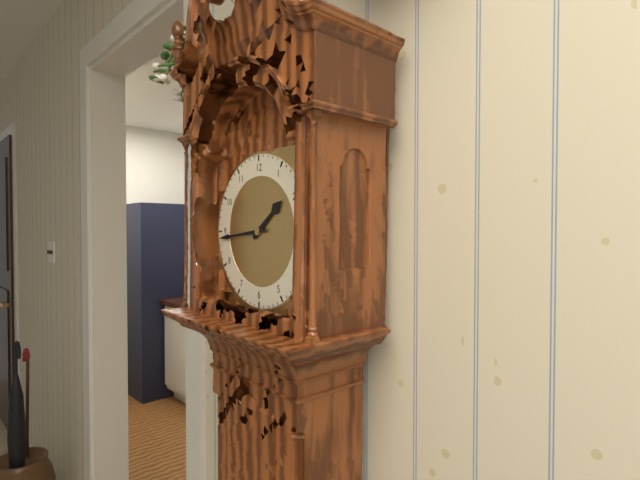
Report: 1:44
